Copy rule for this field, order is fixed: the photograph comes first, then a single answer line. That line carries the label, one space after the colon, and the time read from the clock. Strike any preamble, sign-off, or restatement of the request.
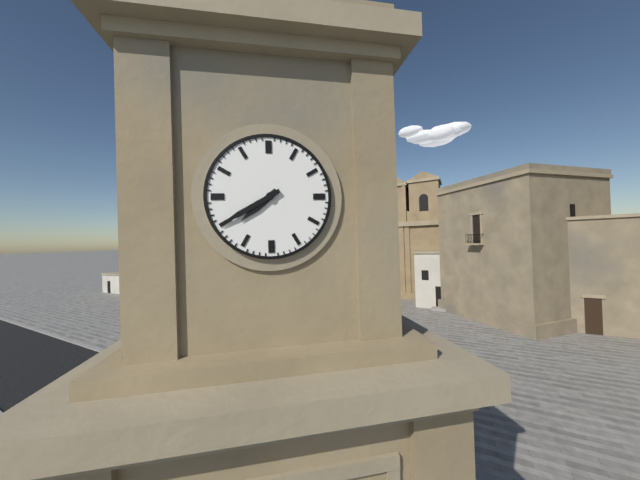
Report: 7:40
